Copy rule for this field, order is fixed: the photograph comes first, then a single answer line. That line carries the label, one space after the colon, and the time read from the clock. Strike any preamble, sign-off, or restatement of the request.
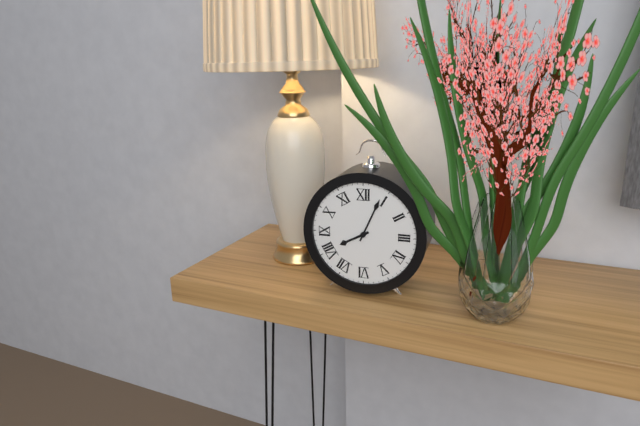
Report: 8:04
